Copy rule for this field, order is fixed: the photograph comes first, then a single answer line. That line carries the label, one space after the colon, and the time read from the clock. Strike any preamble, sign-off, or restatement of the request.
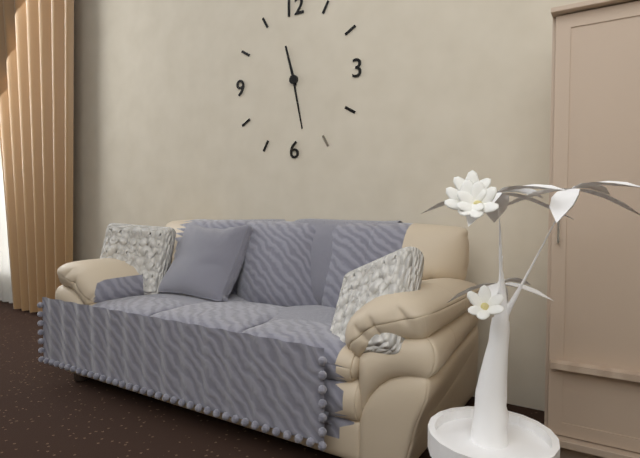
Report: 11:28
